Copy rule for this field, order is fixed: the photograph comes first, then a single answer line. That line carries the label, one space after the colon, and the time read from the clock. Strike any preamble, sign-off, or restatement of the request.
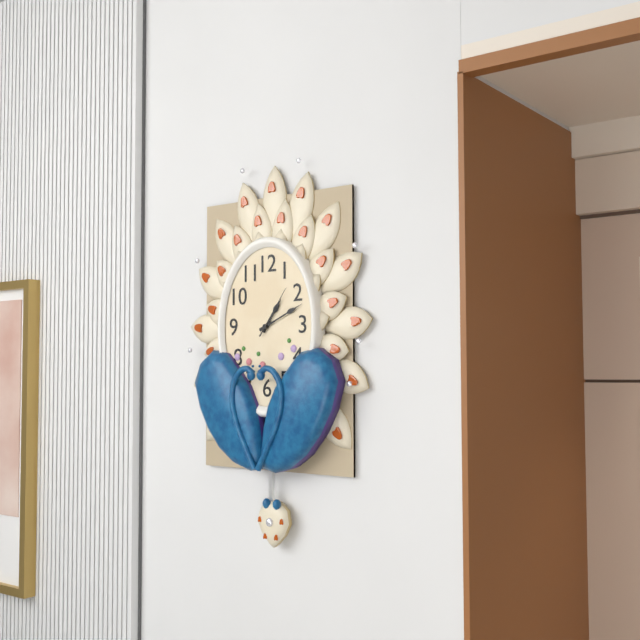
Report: 1:11:06
